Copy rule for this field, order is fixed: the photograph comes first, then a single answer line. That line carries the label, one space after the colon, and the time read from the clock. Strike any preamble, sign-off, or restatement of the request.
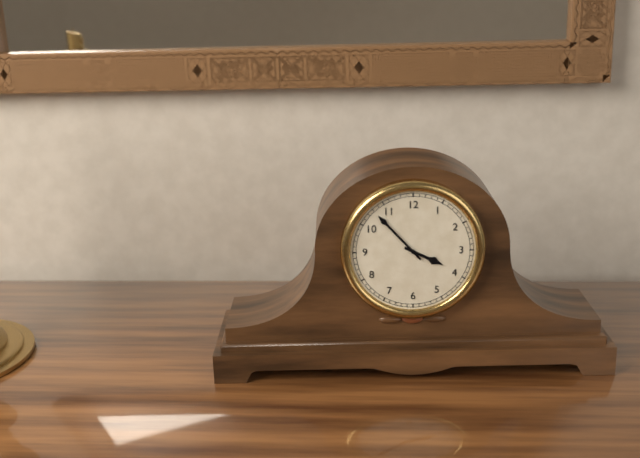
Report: 3:53
